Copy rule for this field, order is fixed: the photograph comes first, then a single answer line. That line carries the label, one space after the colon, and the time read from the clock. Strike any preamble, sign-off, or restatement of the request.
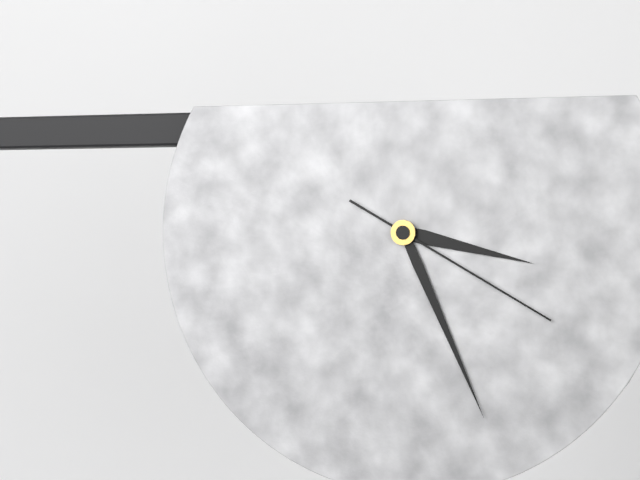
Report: 3:26:20
